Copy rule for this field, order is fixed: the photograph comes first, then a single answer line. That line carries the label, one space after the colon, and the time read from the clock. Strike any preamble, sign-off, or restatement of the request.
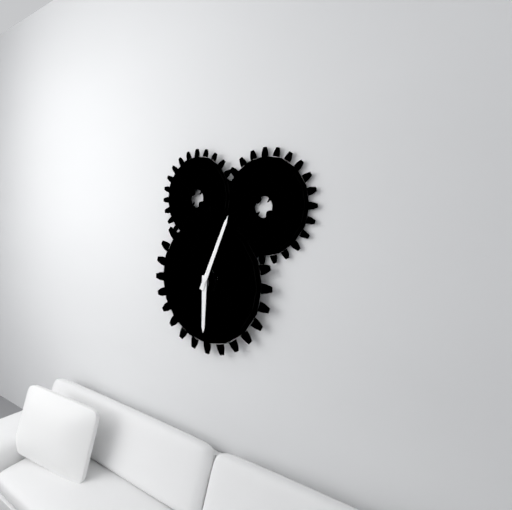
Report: 6:04
